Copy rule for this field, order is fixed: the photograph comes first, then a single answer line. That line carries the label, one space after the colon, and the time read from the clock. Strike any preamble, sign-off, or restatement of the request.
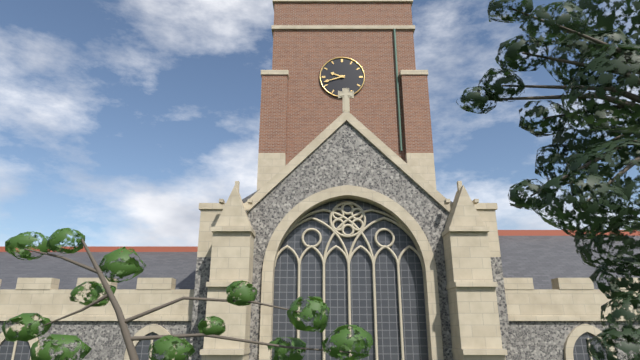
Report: 9:42
